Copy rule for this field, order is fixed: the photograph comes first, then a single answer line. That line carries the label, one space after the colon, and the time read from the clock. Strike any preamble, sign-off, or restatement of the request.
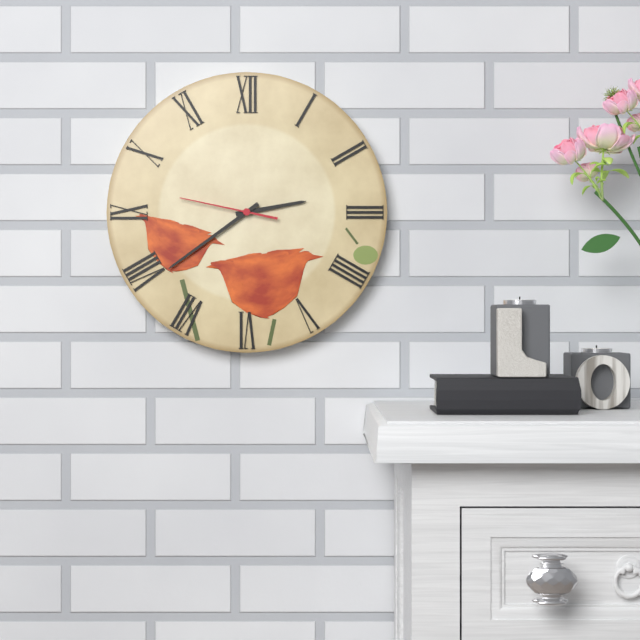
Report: 2:39:47
